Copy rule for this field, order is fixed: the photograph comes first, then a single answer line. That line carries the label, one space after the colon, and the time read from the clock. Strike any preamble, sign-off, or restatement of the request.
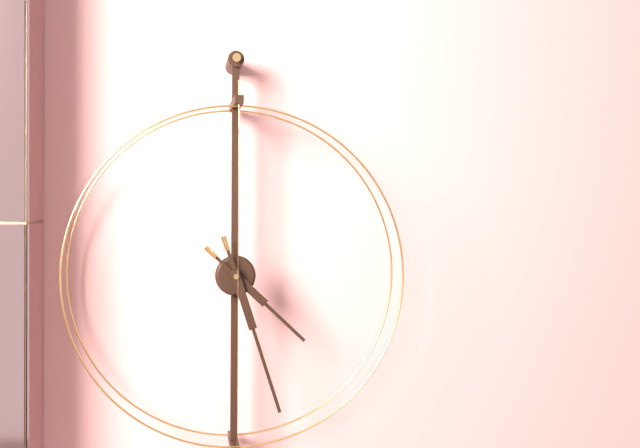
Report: 4:27
